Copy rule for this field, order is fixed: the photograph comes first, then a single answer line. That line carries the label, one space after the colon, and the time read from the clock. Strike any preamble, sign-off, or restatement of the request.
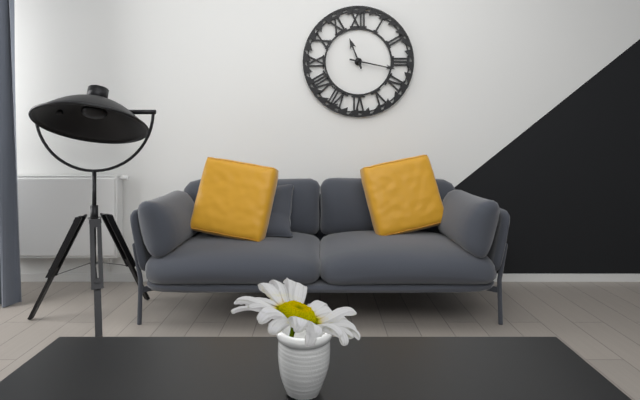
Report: 11:17
